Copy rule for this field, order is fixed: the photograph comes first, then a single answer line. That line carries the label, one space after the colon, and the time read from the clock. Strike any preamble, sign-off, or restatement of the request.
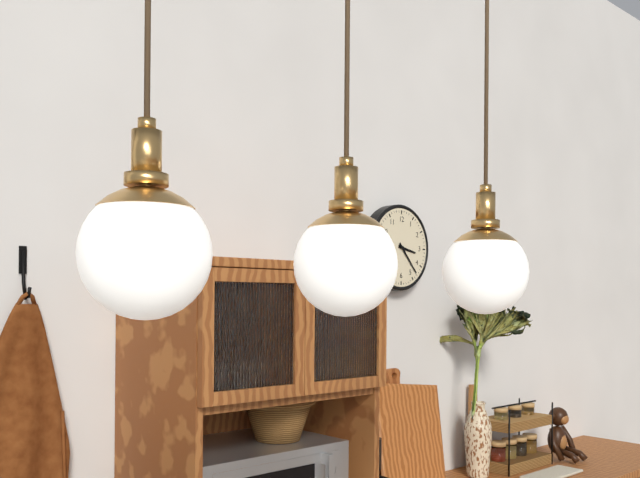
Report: 3:23
